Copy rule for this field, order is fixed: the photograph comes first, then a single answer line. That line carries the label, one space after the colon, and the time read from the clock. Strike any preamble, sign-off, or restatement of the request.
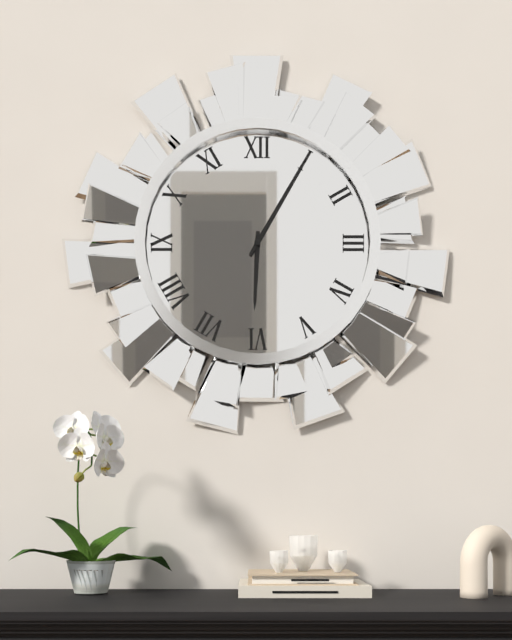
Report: 6:05
